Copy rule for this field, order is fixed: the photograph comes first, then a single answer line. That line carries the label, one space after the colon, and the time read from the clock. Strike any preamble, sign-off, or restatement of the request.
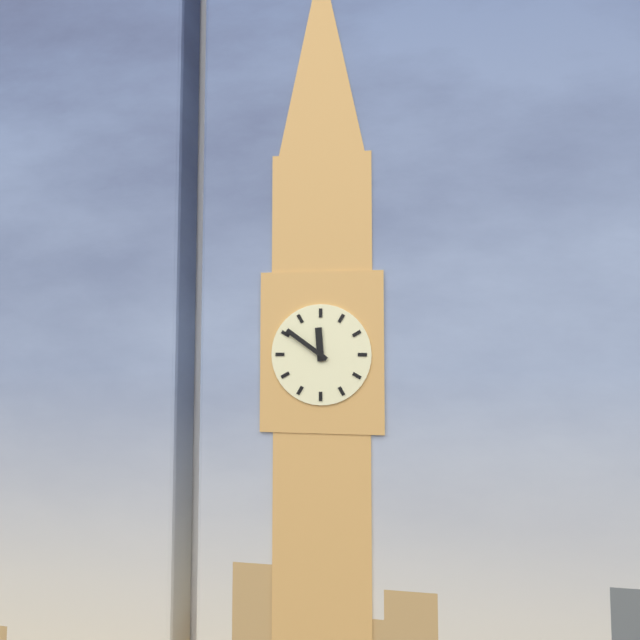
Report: 11:51
